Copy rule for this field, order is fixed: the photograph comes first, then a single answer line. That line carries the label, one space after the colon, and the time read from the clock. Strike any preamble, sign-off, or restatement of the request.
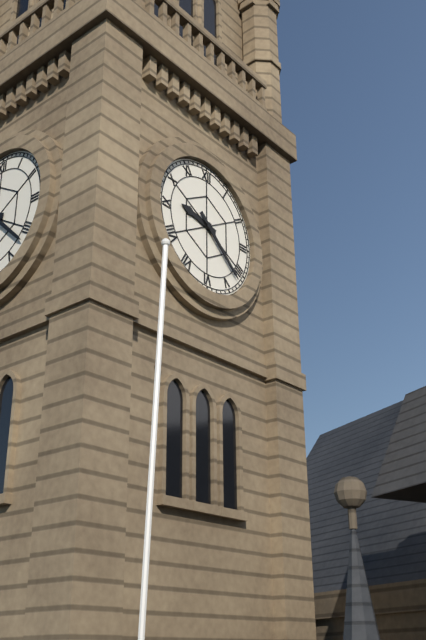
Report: 9:22
